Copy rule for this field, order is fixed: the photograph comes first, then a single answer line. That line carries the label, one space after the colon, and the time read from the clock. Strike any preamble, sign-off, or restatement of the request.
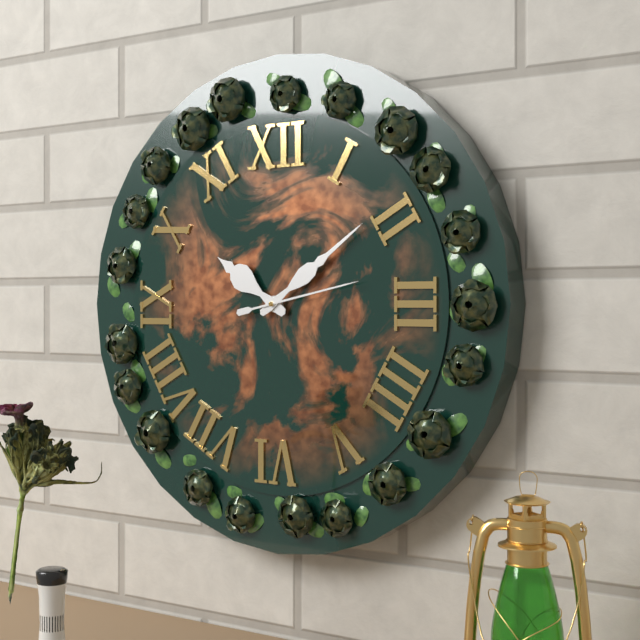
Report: 10:09:13
